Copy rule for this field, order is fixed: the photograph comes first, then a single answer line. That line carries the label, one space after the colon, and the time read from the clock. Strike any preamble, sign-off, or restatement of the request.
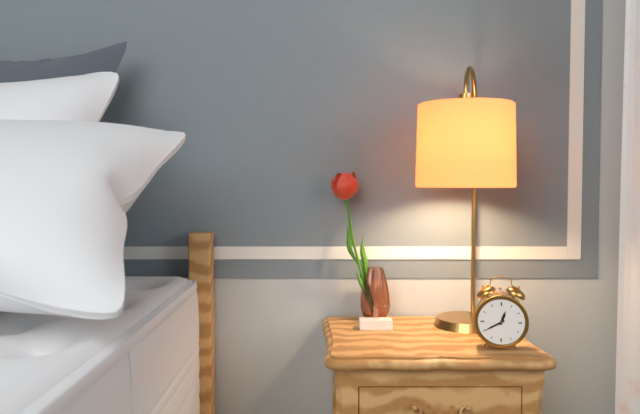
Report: 12:40
